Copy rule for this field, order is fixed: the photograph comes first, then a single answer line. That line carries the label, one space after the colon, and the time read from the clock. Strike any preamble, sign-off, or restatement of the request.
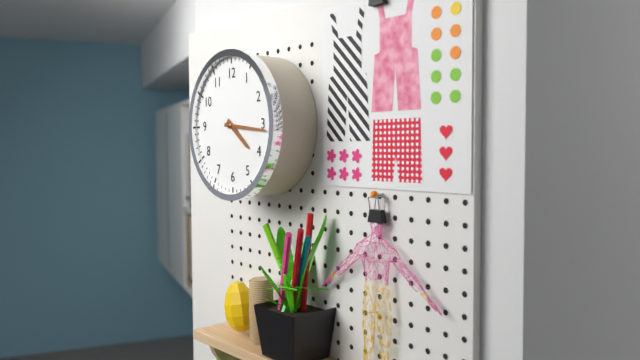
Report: 4:16
